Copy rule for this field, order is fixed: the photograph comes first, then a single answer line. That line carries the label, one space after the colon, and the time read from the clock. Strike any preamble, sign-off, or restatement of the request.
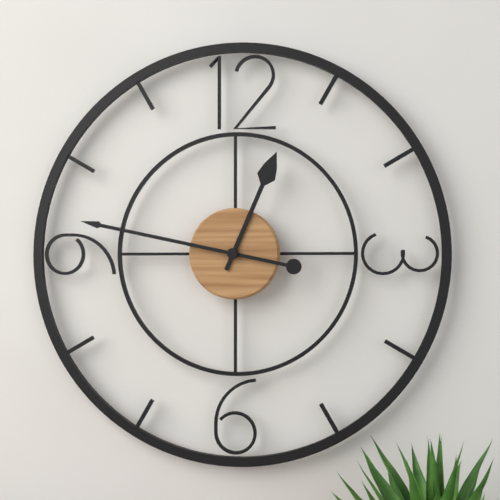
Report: 12:47
